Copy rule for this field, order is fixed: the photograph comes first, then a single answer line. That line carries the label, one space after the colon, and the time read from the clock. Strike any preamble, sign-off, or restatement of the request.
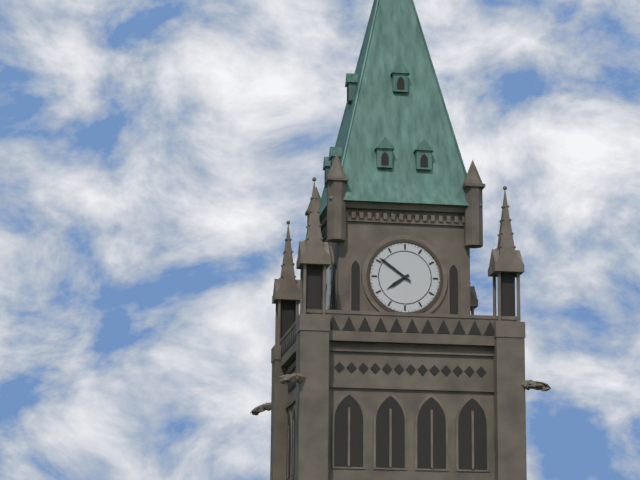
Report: 7:51
